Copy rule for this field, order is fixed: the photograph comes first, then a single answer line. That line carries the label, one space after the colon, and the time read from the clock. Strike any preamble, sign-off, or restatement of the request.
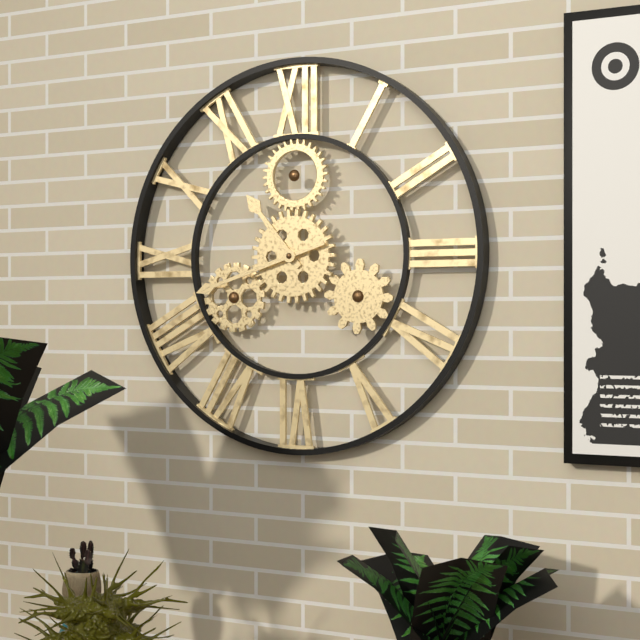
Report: 10:42
